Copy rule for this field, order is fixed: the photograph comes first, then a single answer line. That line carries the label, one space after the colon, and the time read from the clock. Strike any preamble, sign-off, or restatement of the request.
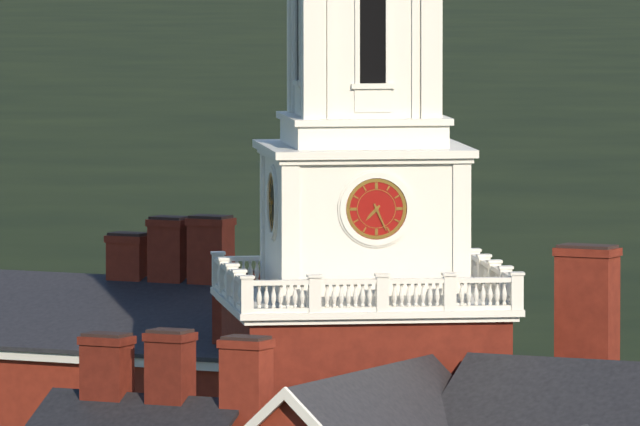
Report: 7:26
